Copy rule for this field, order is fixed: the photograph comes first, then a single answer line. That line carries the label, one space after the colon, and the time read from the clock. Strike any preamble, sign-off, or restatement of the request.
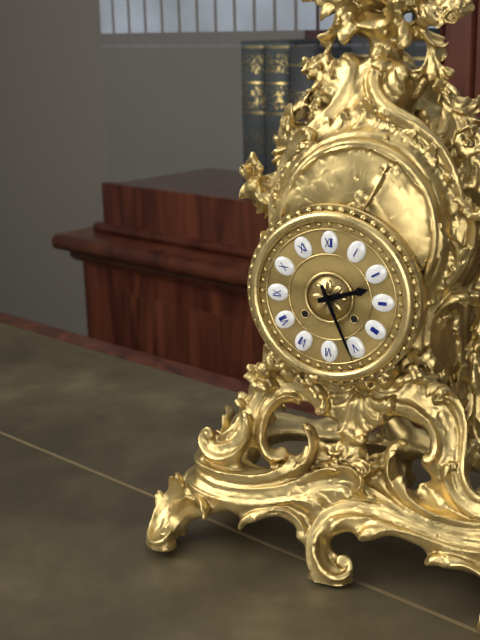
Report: 2:26
